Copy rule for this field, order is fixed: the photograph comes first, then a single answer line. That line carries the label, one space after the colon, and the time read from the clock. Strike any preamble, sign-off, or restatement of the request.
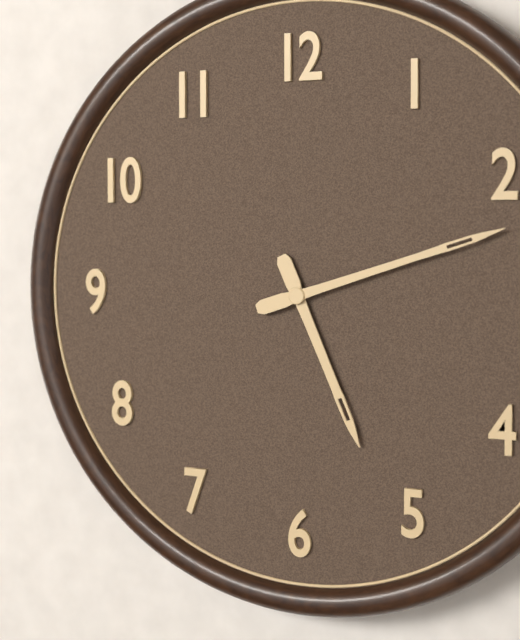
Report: 5:12
